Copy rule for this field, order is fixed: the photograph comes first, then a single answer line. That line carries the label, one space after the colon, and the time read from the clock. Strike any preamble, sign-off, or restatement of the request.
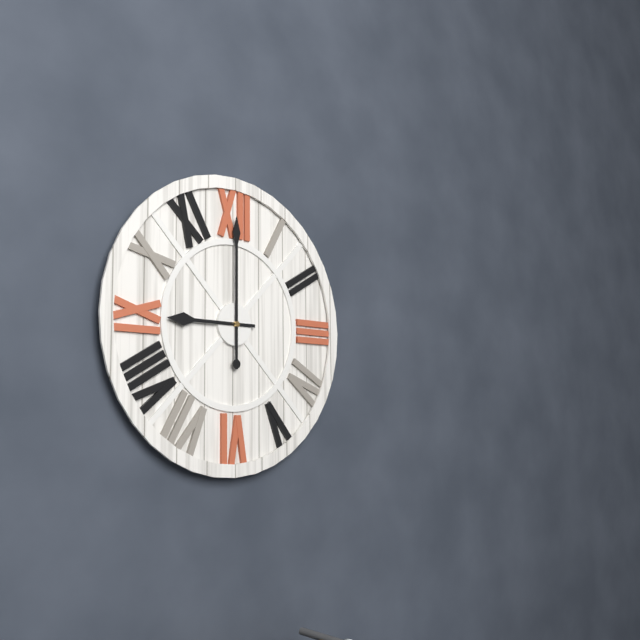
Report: 9:00
